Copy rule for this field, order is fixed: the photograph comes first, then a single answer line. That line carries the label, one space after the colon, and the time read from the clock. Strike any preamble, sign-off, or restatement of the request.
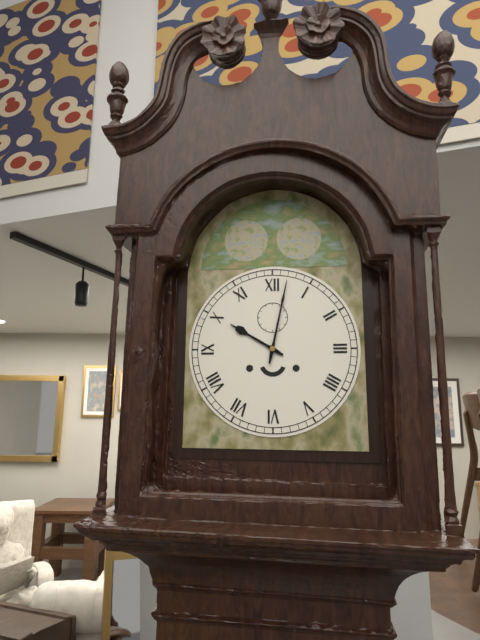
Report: 10:02
